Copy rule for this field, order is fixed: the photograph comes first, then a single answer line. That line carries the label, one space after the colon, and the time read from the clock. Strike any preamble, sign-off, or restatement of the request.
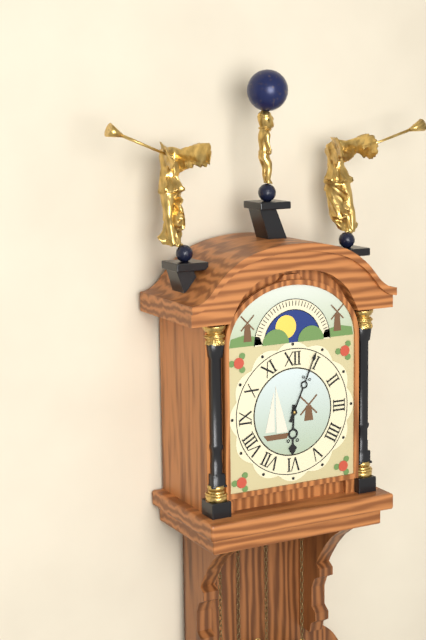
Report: 6:04
